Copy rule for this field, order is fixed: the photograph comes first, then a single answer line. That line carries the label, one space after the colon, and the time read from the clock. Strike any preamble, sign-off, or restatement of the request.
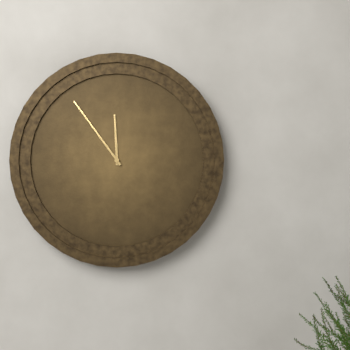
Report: 11:54
